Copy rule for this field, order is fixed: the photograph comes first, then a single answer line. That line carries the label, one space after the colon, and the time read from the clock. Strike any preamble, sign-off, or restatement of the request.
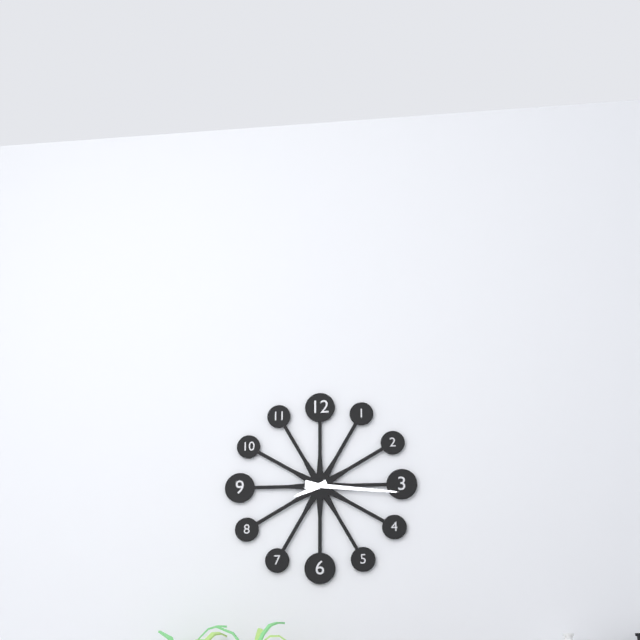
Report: 8:16
